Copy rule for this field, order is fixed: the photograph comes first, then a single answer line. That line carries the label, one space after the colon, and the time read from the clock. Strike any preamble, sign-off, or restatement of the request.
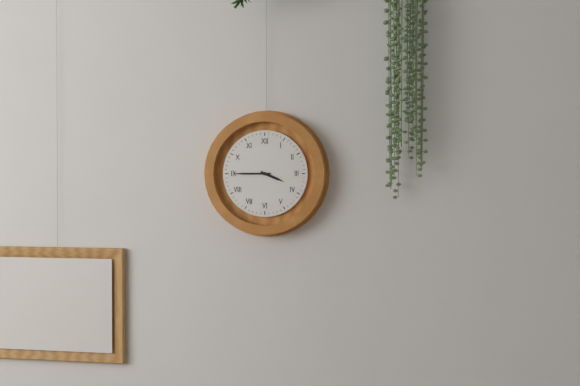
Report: 3:45
